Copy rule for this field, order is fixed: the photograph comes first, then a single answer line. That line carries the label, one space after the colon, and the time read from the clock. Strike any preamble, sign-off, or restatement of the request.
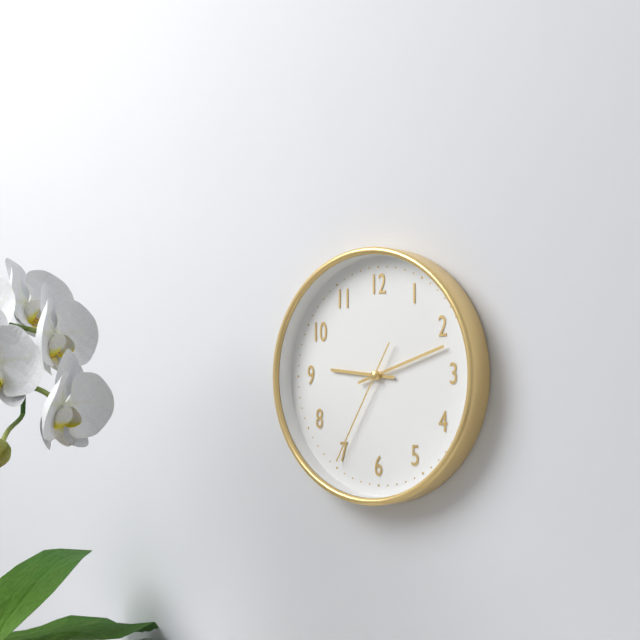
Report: 9:12:35
